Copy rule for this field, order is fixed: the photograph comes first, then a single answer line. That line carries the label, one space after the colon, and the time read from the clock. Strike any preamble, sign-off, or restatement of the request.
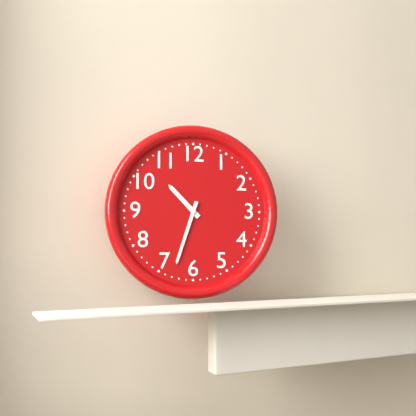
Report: 10:33
